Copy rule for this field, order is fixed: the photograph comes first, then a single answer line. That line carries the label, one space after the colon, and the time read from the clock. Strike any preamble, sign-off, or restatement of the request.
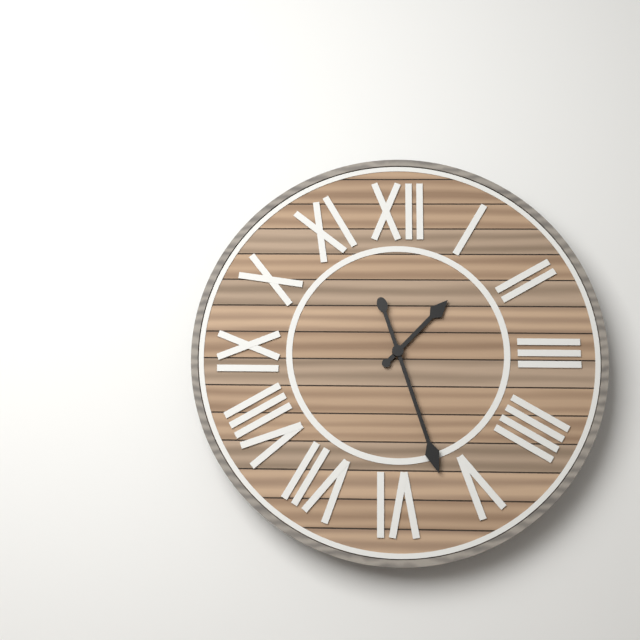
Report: 1:27
